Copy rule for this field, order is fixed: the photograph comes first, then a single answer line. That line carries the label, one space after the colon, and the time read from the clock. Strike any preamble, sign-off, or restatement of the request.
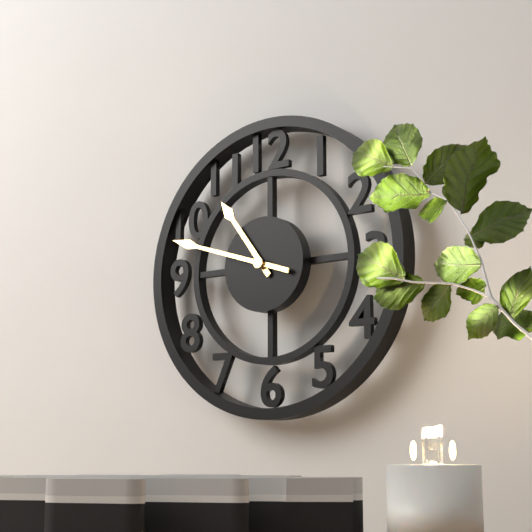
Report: 10:48
